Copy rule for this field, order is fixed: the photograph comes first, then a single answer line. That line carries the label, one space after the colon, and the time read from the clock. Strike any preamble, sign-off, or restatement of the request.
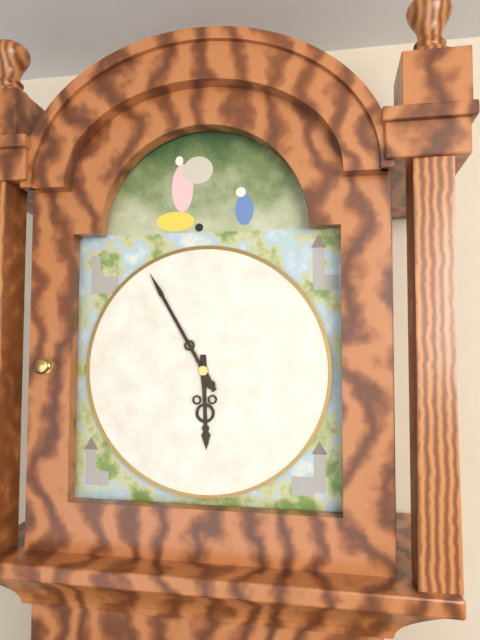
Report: 5:55
